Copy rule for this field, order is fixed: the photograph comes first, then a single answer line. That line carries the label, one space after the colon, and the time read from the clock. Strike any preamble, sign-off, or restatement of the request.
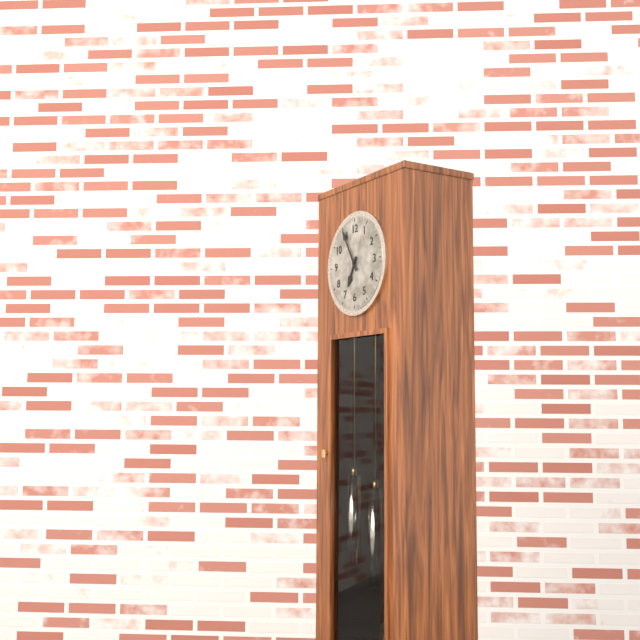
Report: 6:55
